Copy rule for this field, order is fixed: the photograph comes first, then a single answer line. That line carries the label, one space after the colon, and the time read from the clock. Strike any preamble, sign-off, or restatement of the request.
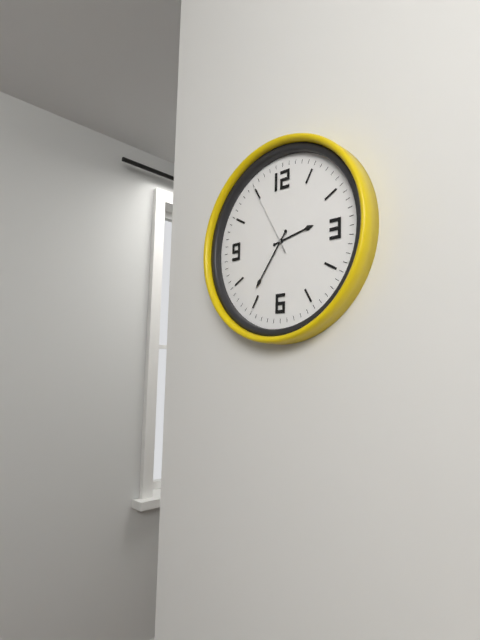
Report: 2:36:55
